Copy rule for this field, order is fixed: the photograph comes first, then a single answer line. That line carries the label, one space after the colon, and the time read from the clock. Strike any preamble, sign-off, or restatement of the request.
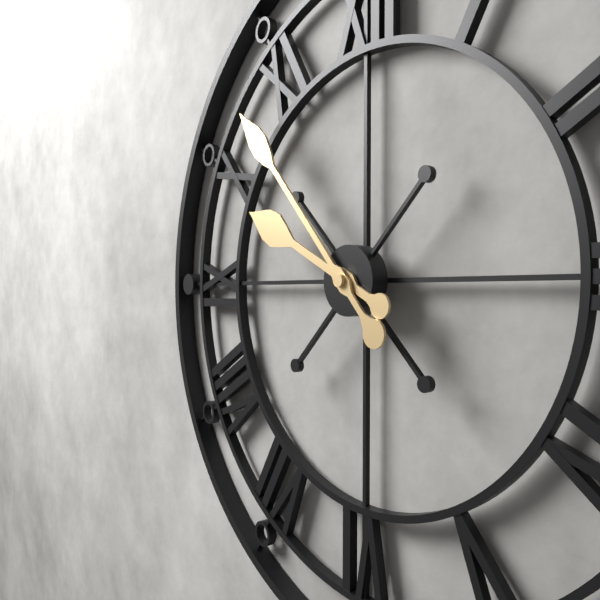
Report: 9:53
